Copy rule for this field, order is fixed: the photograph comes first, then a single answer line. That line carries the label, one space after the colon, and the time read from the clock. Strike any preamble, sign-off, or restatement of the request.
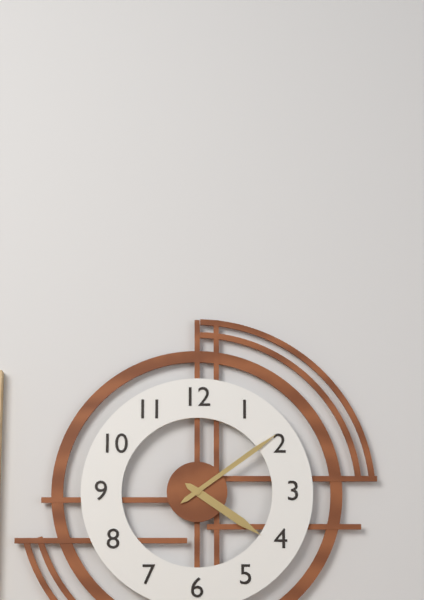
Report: 4:09
